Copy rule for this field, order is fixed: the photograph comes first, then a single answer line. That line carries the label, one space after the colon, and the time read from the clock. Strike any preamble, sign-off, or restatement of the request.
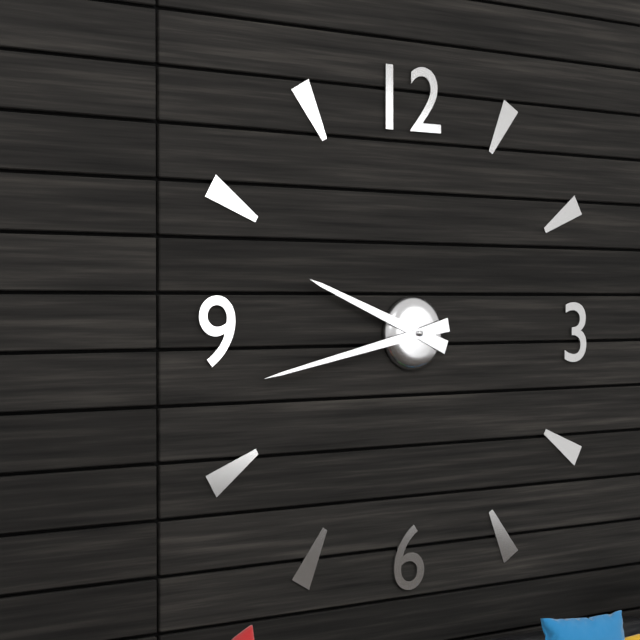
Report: 9:43
